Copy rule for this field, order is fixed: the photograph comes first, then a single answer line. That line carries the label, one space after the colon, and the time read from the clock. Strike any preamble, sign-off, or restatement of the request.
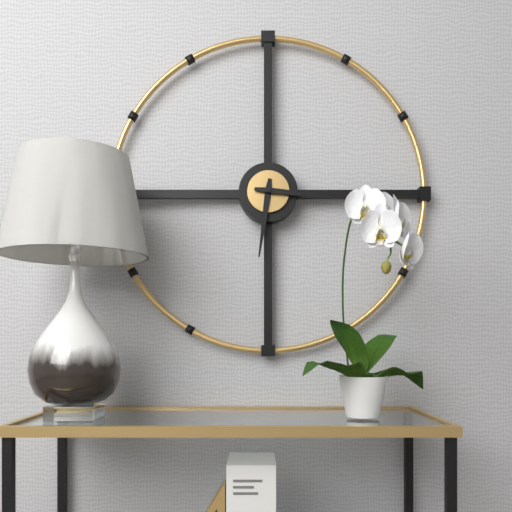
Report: 6:16
